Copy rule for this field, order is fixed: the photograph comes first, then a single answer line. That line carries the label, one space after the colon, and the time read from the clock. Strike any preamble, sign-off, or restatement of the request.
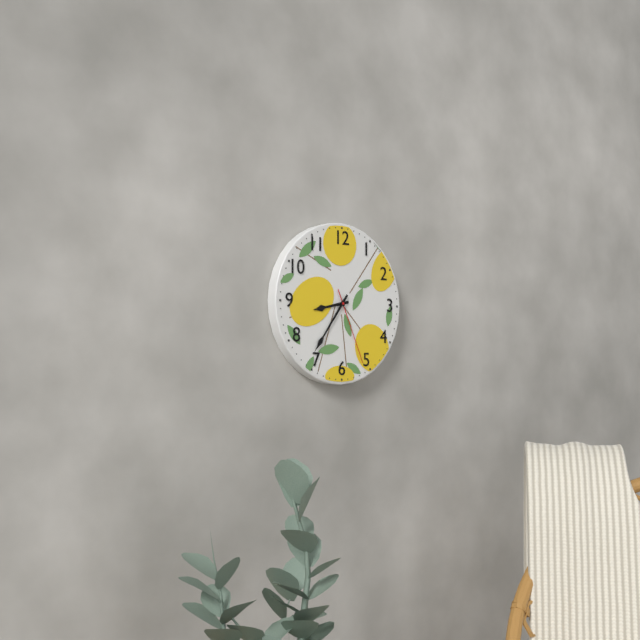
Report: 8:36:26
